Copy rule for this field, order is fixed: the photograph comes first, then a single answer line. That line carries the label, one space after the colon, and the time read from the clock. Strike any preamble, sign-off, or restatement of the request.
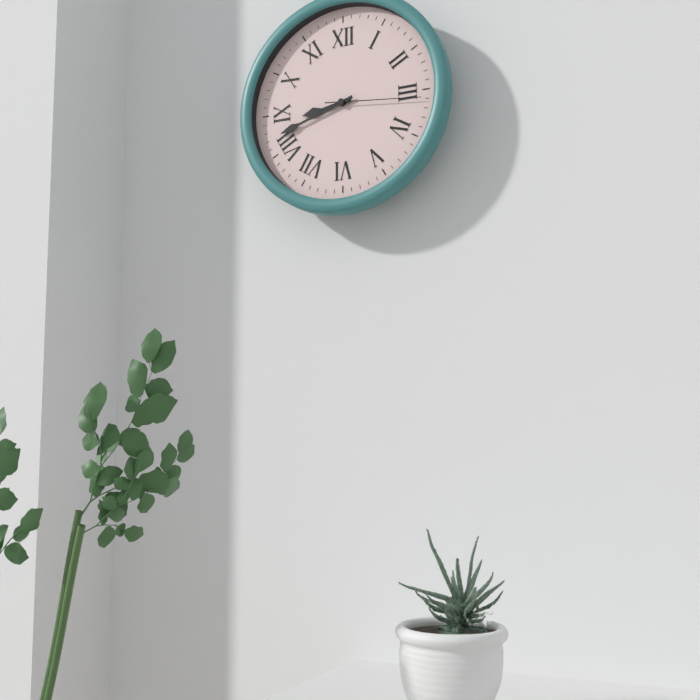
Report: 8:42:16
